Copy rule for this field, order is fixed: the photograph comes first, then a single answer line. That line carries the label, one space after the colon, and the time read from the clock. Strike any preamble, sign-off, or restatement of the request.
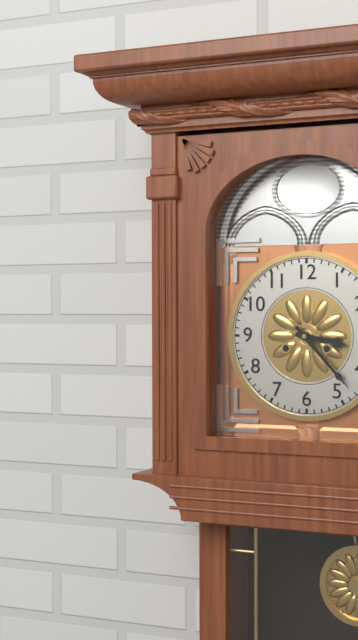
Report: 3:23
